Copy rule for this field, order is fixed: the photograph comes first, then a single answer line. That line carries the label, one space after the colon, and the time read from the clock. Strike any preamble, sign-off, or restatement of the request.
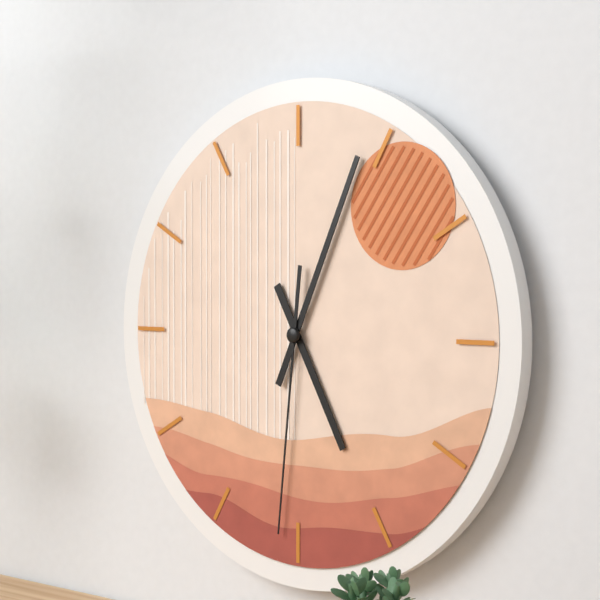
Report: 5:04:31
